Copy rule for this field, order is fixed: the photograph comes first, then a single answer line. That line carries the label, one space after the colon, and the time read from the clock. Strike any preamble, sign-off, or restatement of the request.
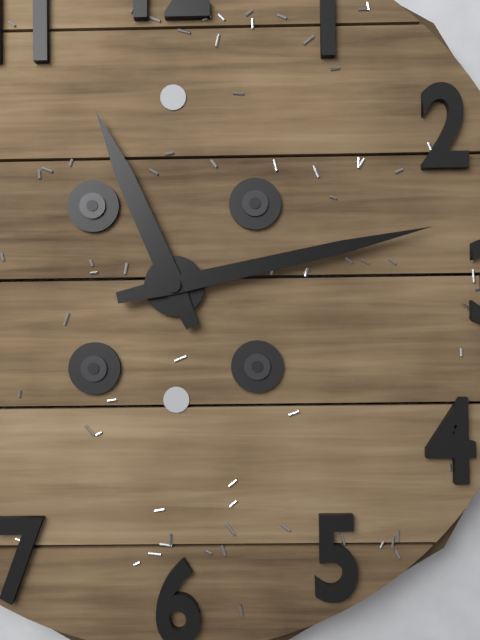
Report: 11:13
